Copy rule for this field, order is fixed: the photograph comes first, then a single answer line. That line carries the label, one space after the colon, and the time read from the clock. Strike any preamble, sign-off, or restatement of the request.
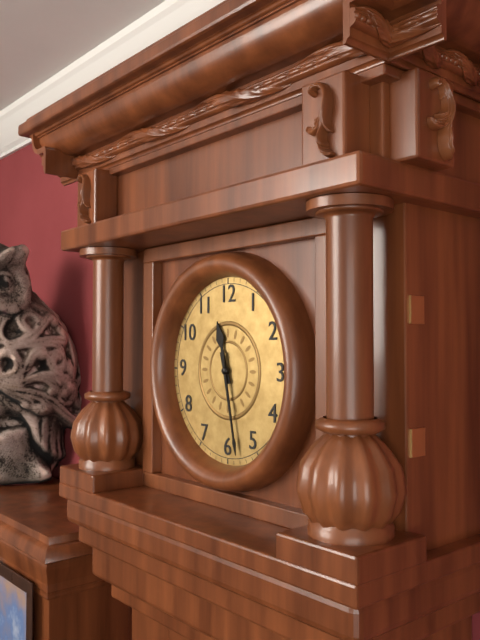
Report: 11:28
